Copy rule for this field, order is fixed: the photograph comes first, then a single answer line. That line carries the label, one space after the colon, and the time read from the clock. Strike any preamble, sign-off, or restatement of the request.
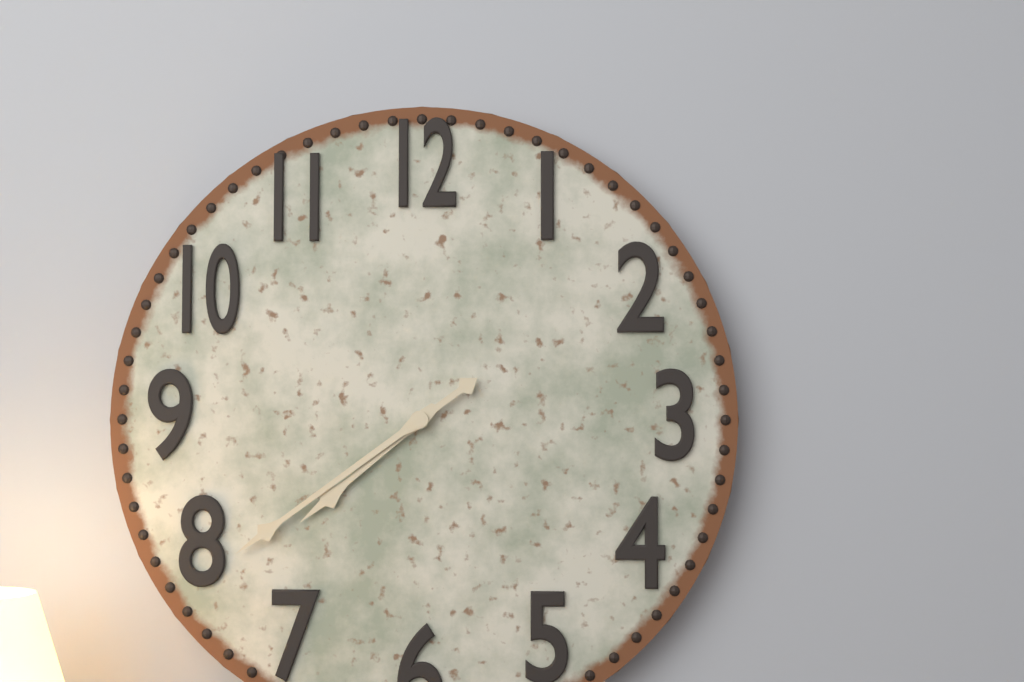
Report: 7:39
